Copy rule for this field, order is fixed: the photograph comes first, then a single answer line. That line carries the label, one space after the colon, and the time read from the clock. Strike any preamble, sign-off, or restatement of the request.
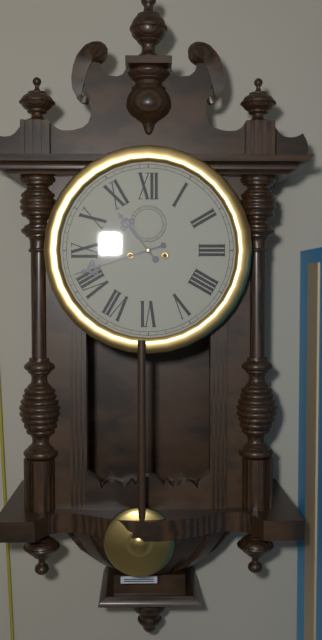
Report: 10:42
